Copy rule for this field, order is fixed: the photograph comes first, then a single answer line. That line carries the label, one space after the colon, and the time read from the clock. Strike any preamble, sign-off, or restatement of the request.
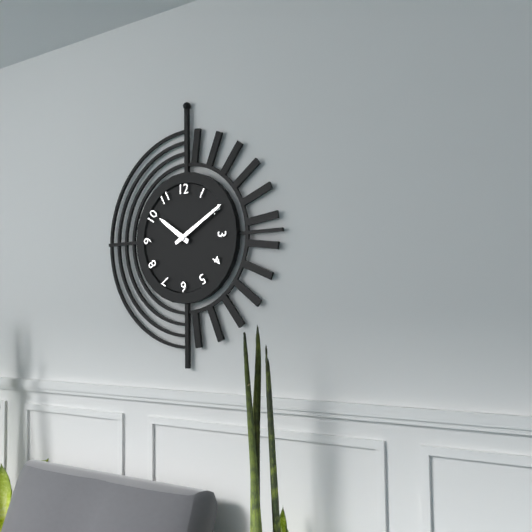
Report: 10:10
